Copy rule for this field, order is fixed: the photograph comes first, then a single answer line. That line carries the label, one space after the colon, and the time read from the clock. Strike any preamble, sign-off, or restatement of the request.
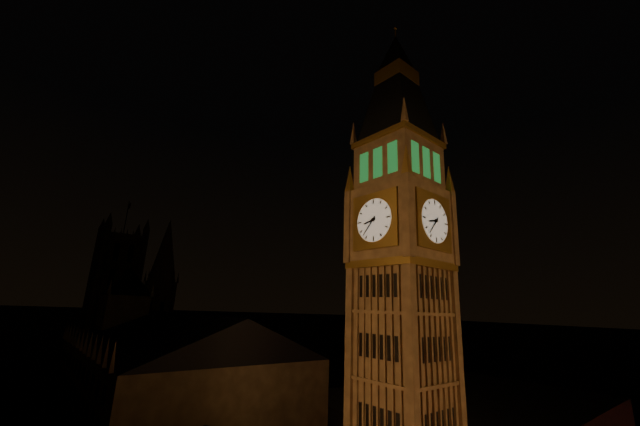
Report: 8:37
